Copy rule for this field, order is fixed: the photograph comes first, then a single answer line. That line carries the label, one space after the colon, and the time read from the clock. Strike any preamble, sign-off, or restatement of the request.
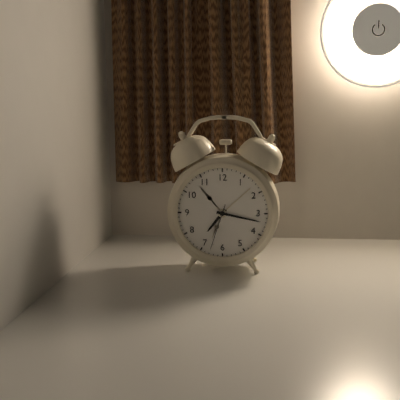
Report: 7:17:33
